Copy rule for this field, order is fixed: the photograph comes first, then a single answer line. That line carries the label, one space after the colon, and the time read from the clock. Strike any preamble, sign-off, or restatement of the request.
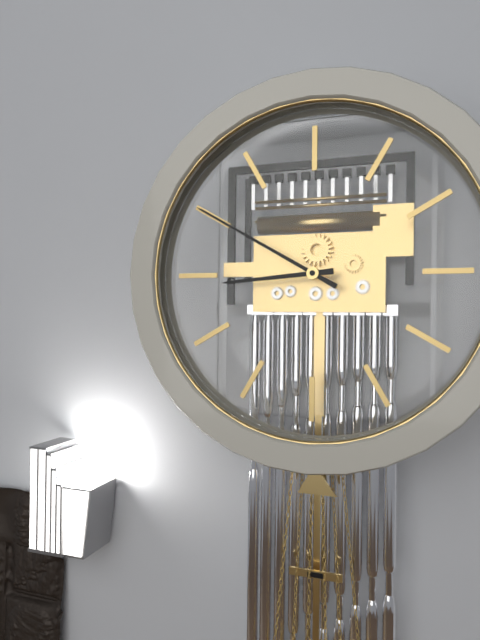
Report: 8:50
